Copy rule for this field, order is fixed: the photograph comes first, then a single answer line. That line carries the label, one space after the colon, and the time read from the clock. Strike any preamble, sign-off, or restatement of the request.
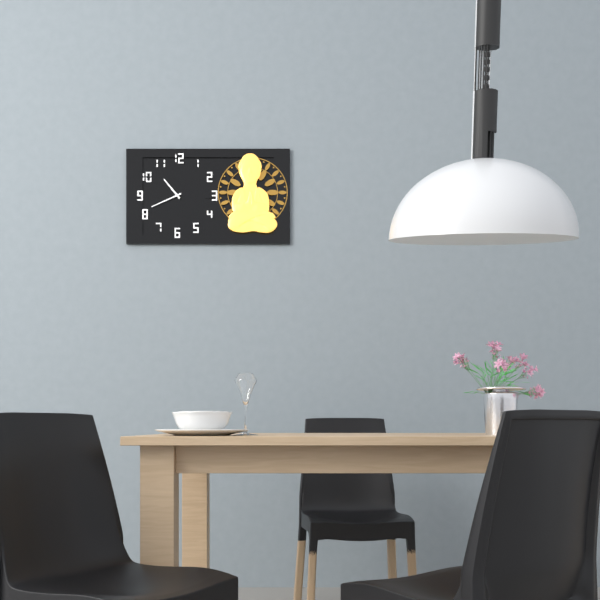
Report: 10:41
